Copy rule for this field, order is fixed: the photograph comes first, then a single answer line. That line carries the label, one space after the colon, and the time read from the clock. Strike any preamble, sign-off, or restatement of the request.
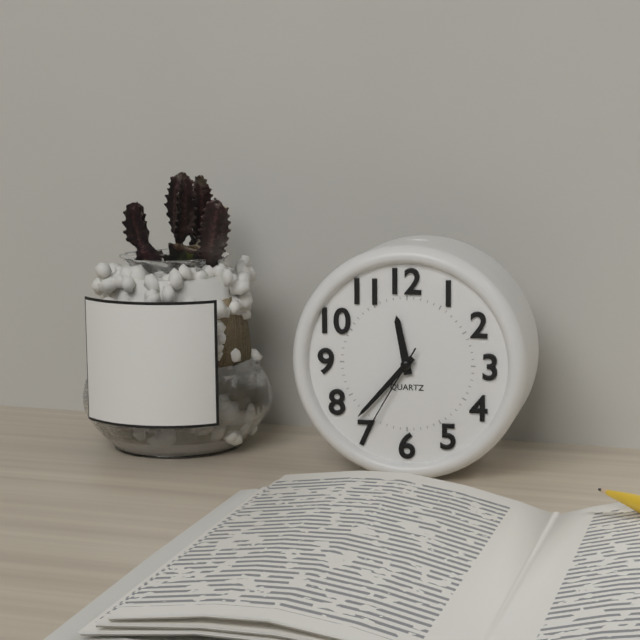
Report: 11:37:35
